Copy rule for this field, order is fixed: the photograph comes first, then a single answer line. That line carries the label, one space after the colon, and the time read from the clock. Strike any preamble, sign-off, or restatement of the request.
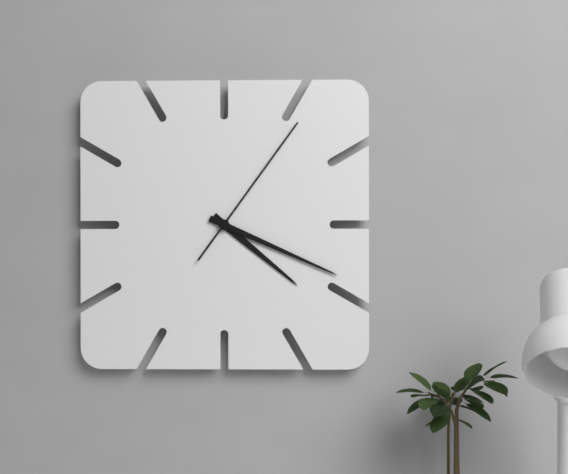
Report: 4:19:06
